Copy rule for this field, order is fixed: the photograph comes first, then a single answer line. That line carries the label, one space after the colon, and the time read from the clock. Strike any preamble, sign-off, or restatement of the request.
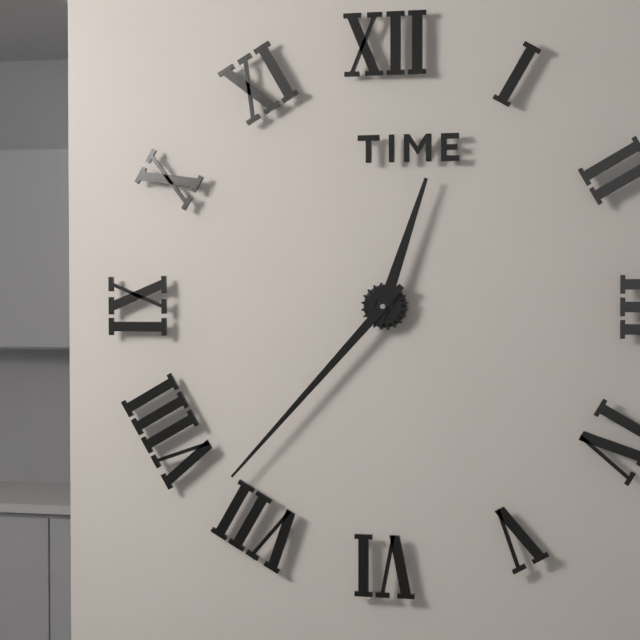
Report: 12:37
